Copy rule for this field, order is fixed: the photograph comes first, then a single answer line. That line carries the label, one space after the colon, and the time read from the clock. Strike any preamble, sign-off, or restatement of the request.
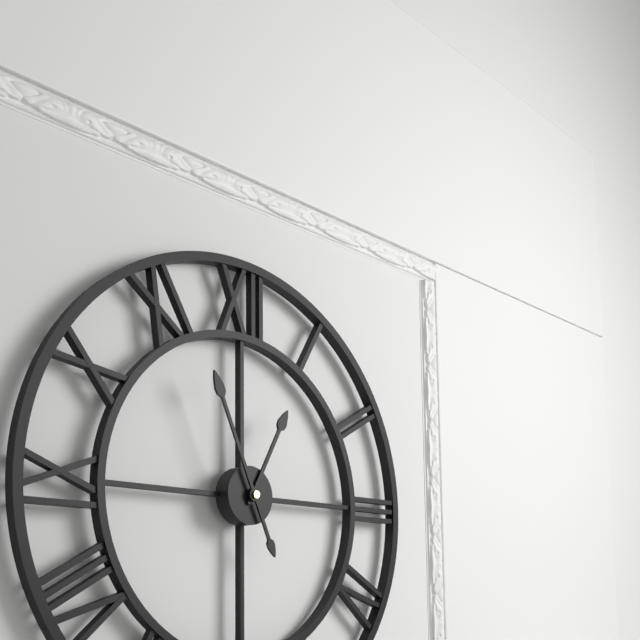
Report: 12:56
